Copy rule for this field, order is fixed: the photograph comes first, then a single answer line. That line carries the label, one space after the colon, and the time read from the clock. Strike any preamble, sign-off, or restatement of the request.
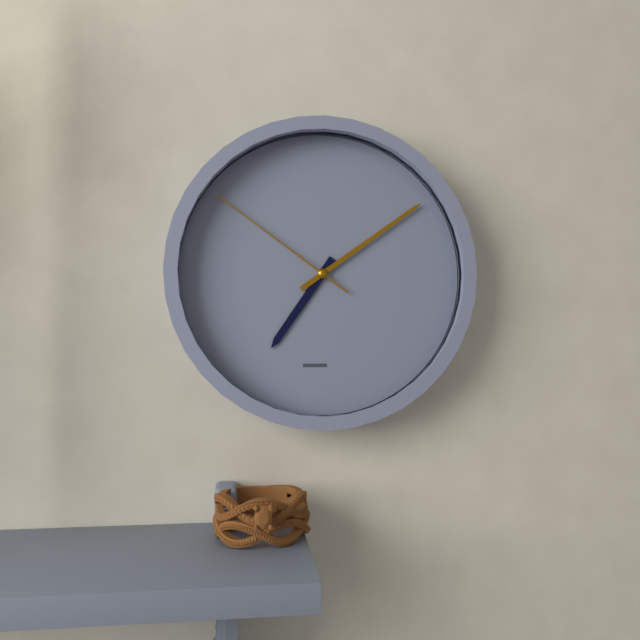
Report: 7:09:51
